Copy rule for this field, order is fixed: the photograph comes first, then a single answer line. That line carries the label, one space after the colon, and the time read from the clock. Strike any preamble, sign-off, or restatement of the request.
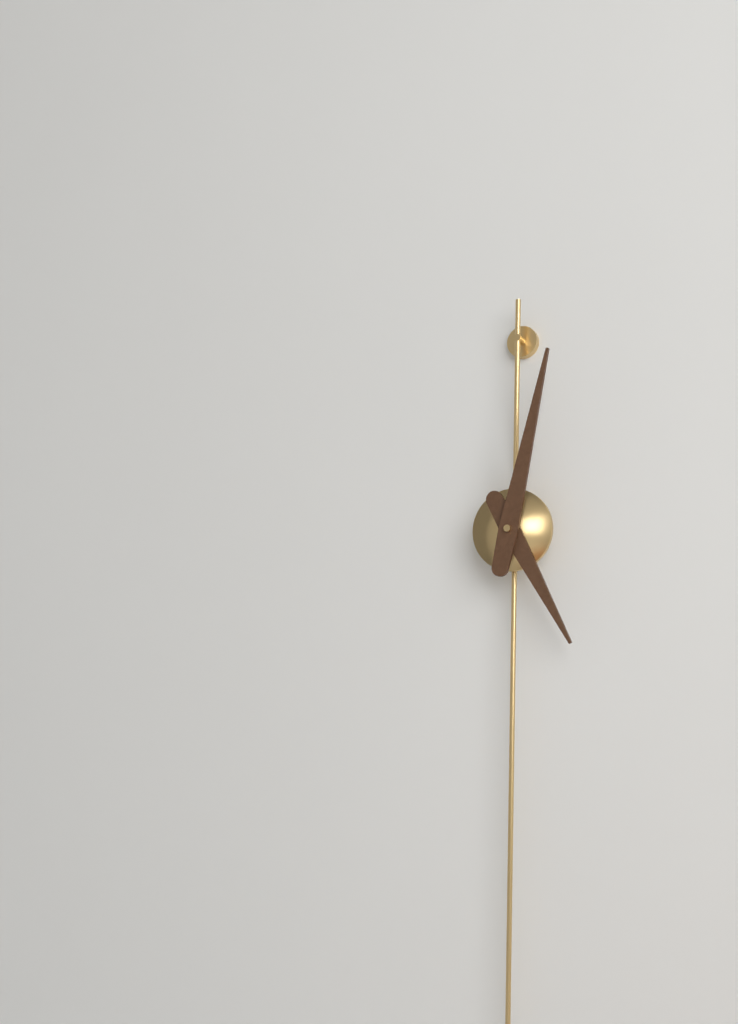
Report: 5:02
